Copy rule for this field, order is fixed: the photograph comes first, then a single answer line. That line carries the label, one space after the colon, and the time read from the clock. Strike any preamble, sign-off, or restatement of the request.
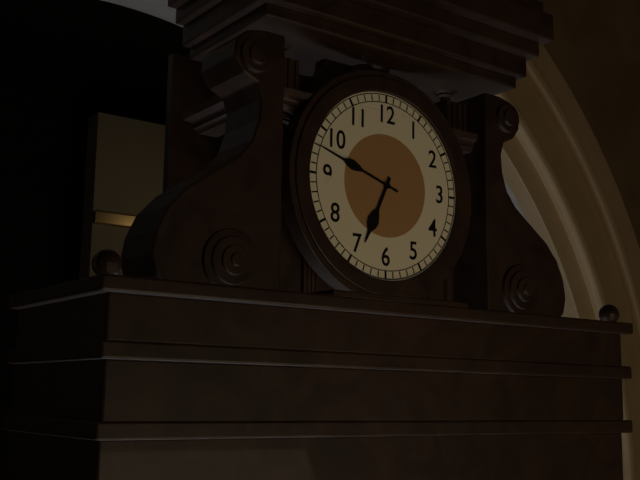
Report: 6:48
